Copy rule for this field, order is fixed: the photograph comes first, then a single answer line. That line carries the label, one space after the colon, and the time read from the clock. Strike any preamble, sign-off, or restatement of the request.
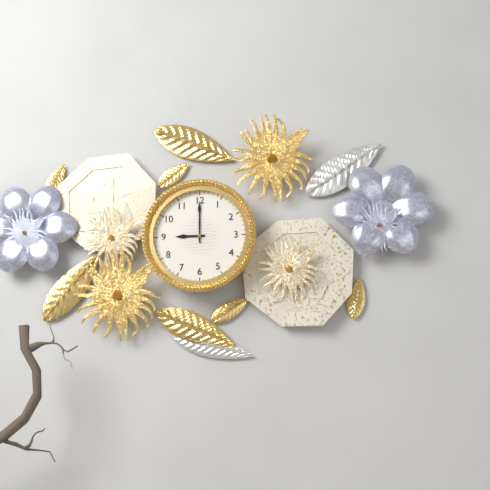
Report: 9:00
